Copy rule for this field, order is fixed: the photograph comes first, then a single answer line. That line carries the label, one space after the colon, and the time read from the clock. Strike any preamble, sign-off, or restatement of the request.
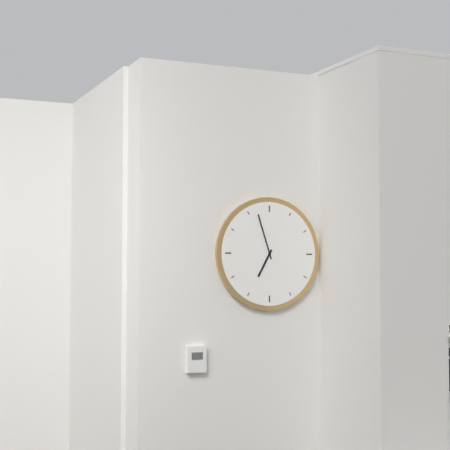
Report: 6:57
